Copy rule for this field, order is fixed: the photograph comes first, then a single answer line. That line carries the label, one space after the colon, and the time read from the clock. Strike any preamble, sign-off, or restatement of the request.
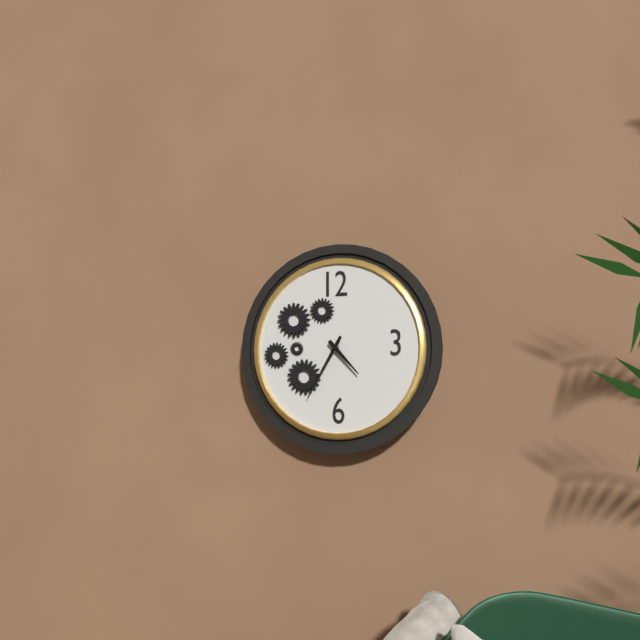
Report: 4:35
